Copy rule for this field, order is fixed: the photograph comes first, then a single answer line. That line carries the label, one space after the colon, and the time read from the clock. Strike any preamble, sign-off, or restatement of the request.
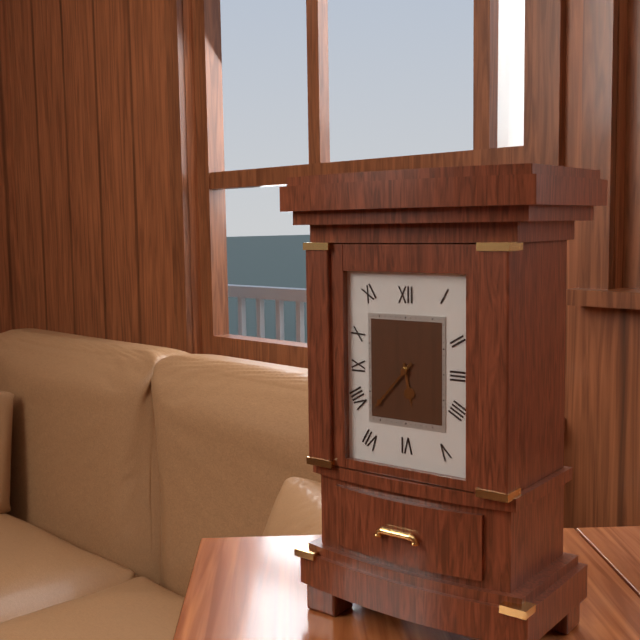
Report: 5:37
